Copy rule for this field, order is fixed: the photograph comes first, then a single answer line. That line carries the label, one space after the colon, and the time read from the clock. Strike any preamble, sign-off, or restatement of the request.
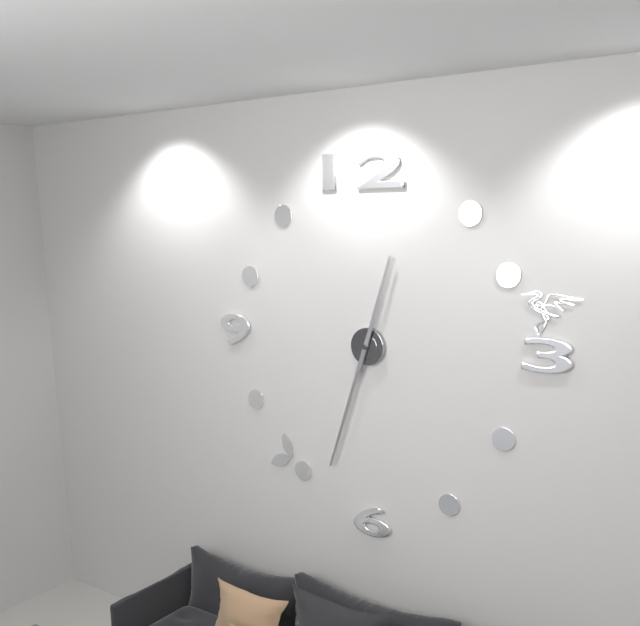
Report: 12:33
